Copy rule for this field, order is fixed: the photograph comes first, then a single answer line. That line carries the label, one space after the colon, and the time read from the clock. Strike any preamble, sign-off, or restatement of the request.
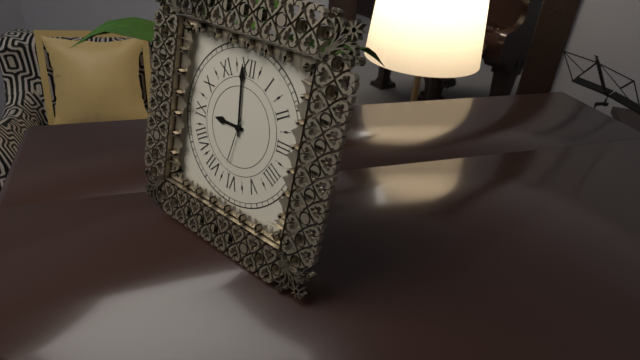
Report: 8:59
